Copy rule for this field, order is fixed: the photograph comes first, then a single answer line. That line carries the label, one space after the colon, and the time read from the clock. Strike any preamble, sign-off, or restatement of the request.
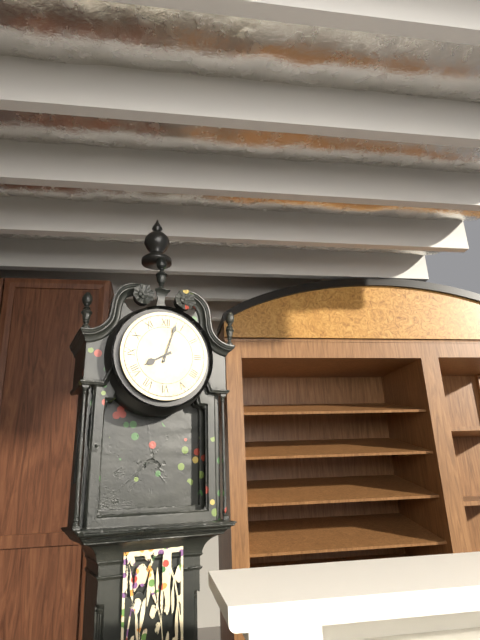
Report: 8:03
